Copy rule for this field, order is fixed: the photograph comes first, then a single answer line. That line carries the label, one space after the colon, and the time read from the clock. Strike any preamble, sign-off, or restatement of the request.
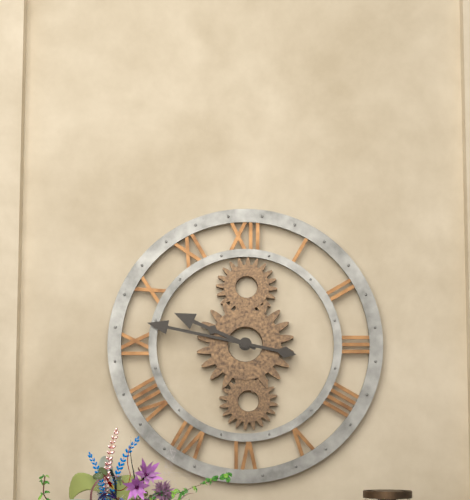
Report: 9:47
